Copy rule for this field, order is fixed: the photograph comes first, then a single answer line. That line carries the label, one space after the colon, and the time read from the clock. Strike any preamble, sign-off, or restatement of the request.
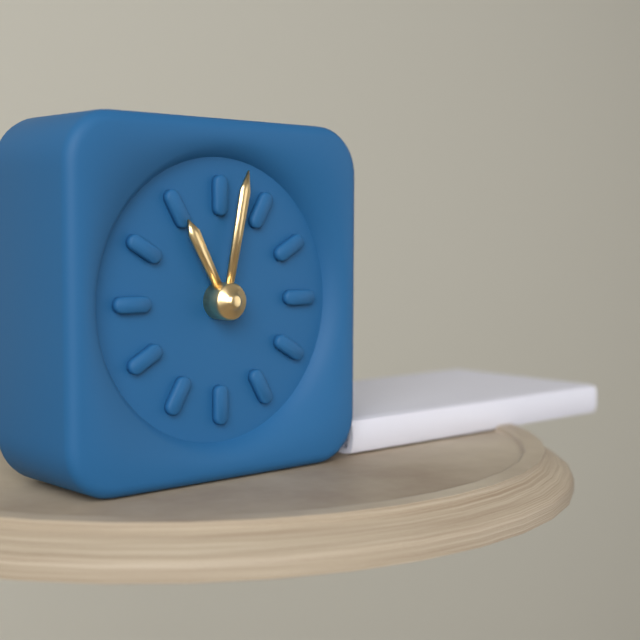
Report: 11:02
